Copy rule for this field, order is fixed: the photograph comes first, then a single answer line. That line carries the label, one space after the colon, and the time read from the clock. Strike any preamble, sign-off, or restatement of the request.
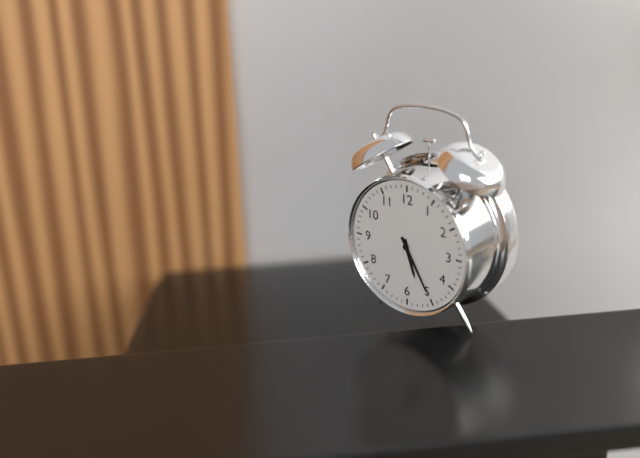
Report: 5:25
